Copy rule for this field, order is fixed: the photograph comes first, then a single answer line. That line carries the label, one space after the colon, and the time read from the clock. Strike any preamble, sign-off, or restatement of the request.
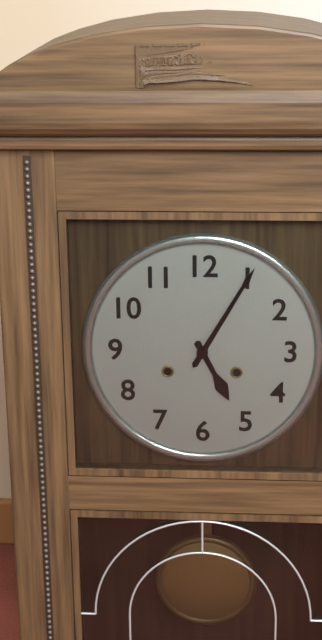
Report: 5:05
